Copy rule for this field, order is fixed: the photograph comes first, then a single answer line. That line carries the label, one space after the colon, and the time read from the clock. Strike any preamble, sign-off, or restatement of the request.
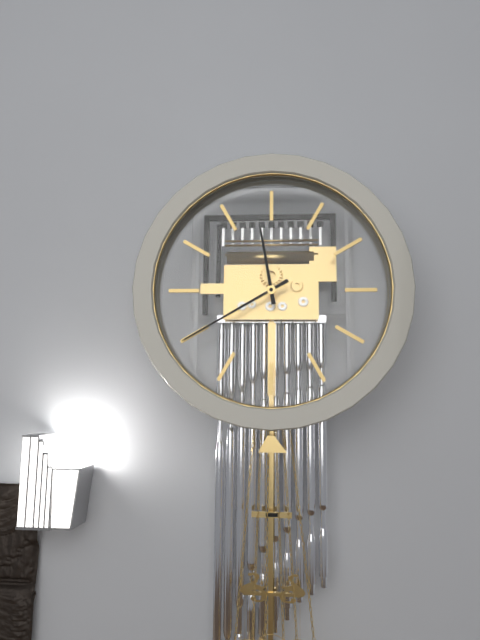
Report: 11:40
